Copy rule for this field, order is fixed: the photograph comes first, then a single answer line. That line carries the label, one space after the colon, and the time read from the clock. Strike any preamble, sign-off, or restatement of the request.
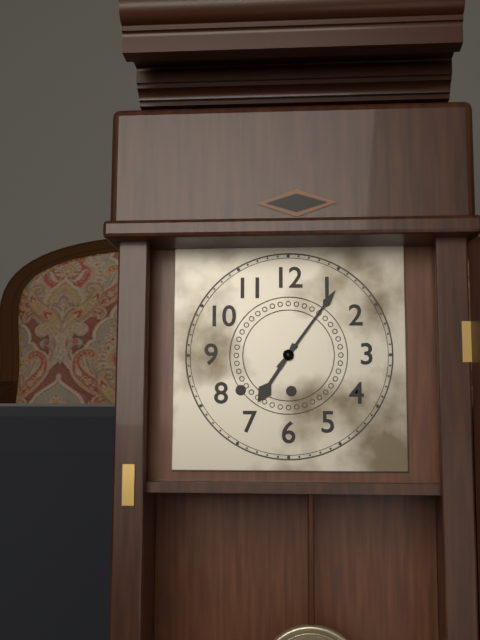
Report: 7:06
